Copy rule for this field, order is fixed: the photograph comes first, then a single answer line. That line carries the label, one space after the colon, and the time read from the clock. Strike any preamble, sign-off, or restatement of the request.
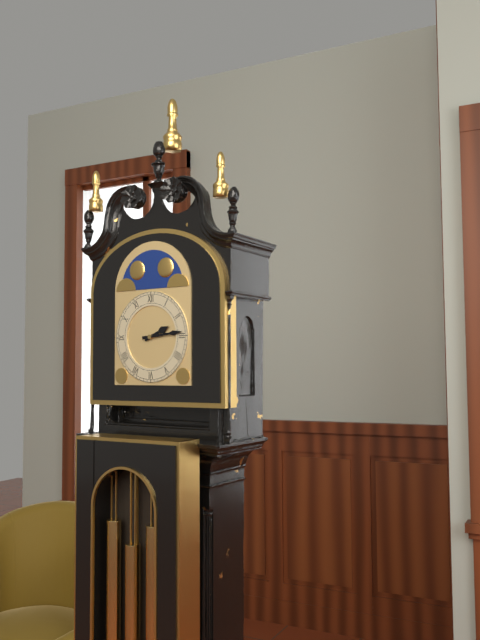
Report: 2:14
